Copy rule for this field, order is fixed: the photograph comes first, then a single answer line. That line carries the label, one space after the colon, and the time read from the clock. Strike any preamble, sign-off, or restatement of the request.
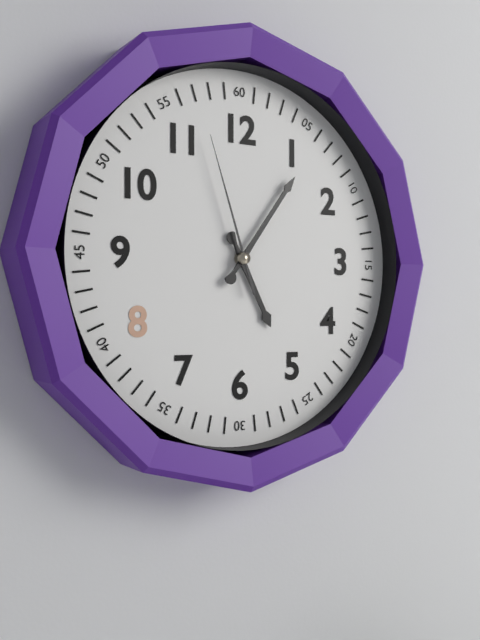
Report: 5:06:57
